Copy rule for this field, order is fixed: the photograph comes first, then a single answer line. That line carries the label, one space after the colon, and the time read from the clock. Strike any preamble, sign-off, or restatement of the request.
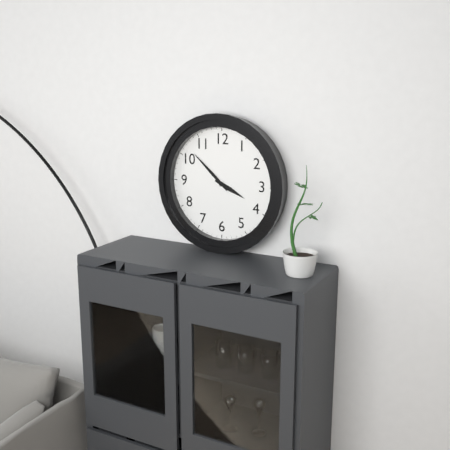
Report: 3:52
